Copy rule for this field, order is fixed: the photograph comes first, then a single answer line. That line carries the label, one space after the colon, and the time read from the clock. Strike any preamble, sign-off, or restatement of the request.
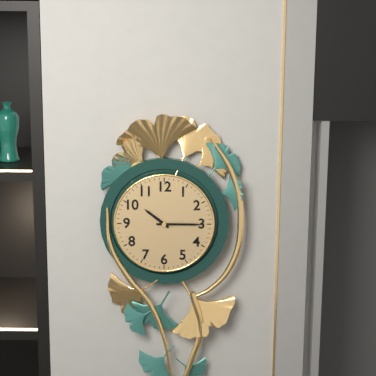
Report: 10:15
